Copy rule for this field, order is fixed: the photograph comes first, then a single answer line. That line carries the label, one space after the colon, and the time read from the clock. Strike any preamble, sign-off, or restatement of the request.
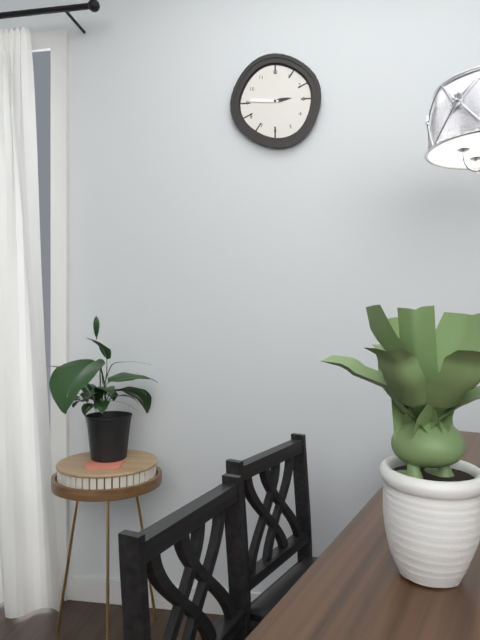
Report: 2:46
